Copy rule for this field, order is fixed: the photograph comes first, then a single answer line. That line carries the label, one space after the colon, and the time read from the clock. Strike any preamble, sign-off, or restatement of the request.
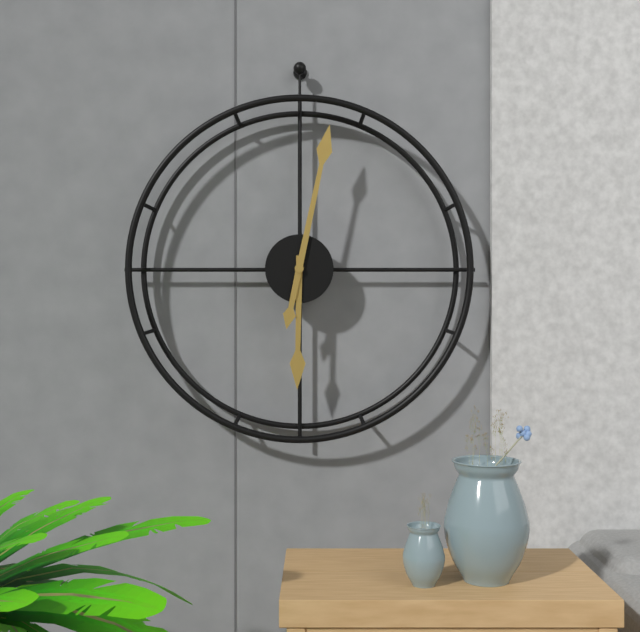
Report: 6:02
